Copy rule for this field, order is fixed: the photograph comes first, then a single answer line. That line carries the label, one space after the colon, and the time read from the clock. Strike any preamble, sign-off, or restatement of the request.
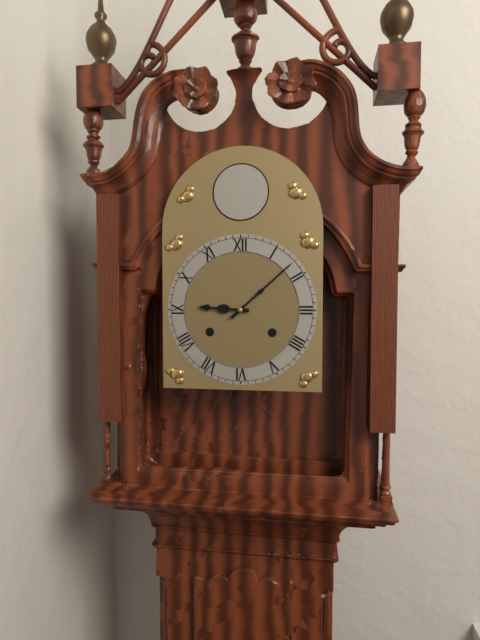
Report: 9:08
